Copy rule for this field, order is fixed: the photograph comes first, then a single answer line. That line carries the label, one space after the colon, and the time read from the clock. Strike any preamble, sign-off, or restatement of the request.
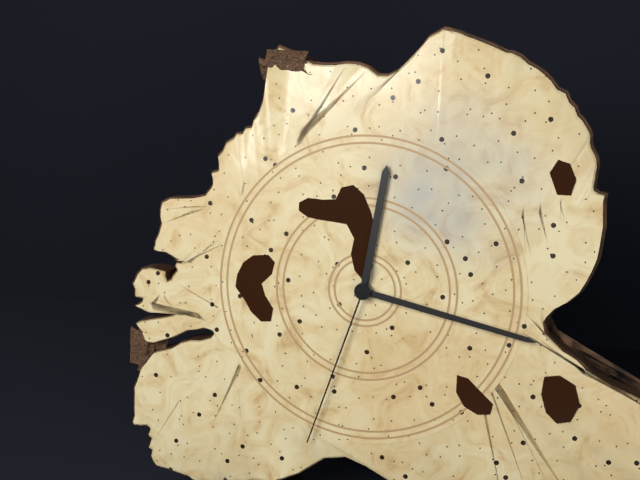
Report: 12:17:33
